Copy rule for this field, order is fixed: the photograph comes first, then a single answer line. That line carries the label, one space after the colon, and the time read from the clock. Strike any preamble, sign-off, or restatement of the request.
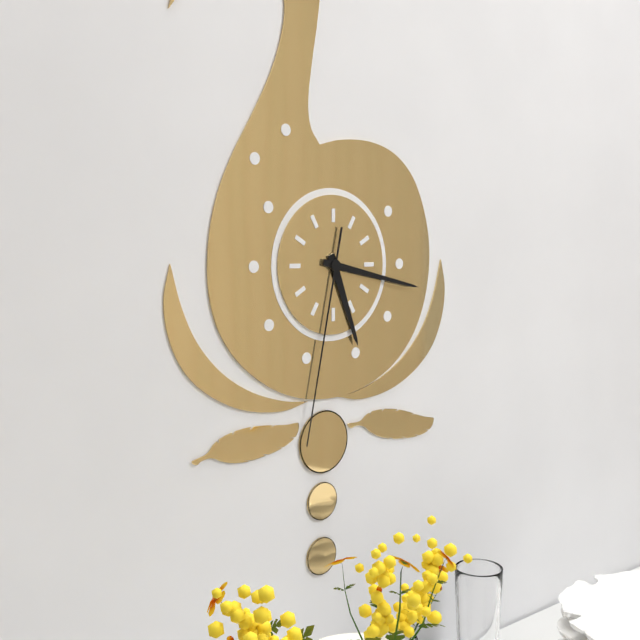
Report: 5:17:32
